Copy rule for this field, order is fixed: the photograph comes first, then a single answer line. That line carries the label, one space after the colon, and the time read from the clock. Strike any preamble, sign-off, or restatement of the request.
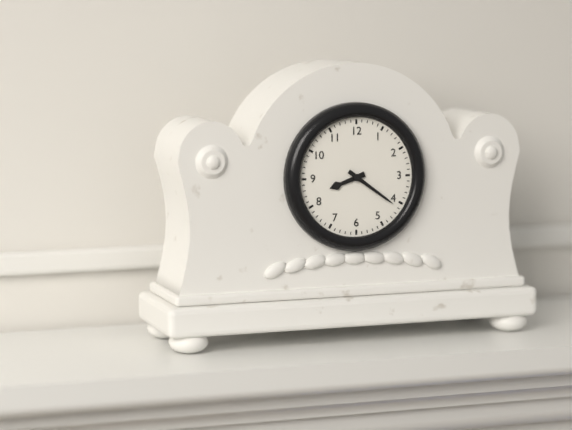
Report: 8:21
